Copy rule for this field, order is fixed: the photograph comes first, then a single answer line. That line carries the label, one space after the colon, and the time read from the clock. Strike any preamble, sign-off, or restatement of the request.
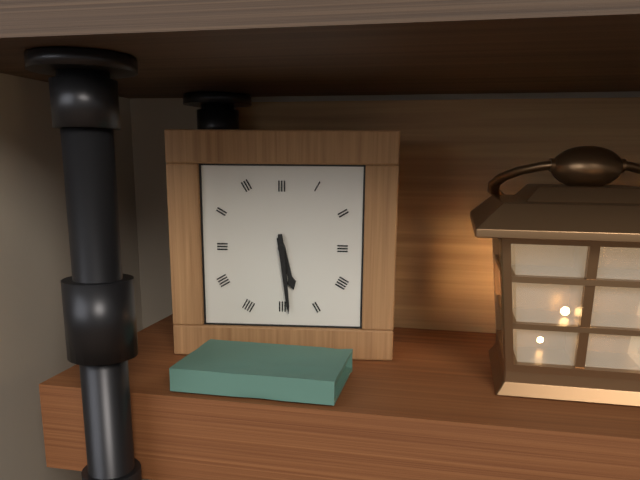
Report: 5:29
